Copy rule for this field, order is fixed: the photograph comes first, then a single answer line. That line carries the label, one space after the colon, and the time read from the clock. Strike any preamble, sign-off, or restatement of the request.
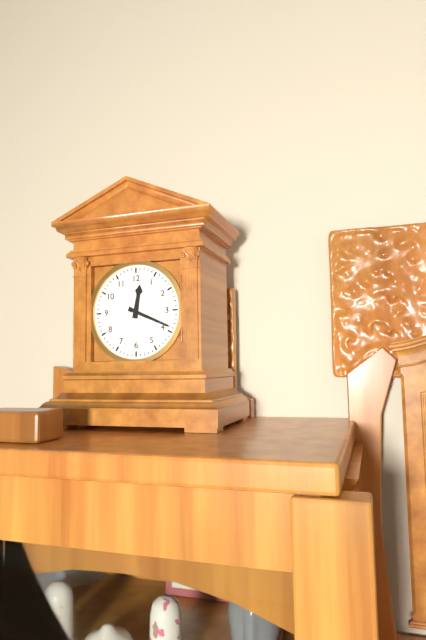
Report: 12:19
